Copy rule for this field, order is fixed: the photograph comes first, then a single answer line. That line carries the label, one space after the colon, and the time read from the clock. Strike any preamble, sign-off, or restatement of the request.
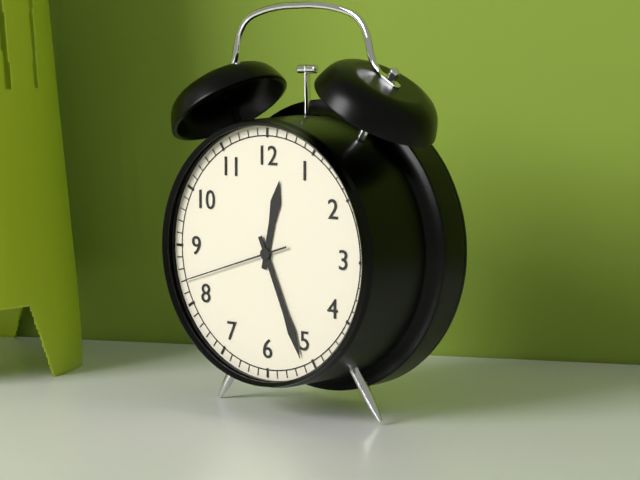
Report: 12:26:42
